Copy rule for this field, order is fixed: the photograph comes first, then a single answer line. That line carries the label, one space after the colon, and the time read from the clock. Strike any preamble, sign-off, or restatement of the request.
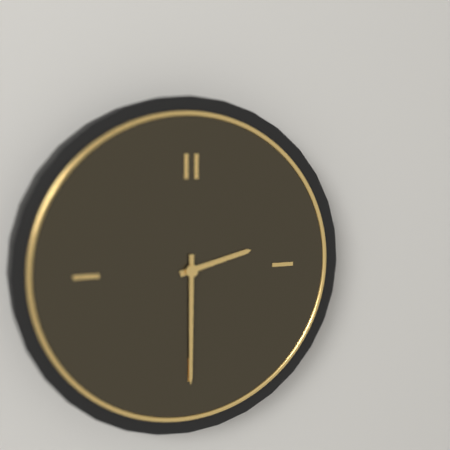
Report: 2:30
